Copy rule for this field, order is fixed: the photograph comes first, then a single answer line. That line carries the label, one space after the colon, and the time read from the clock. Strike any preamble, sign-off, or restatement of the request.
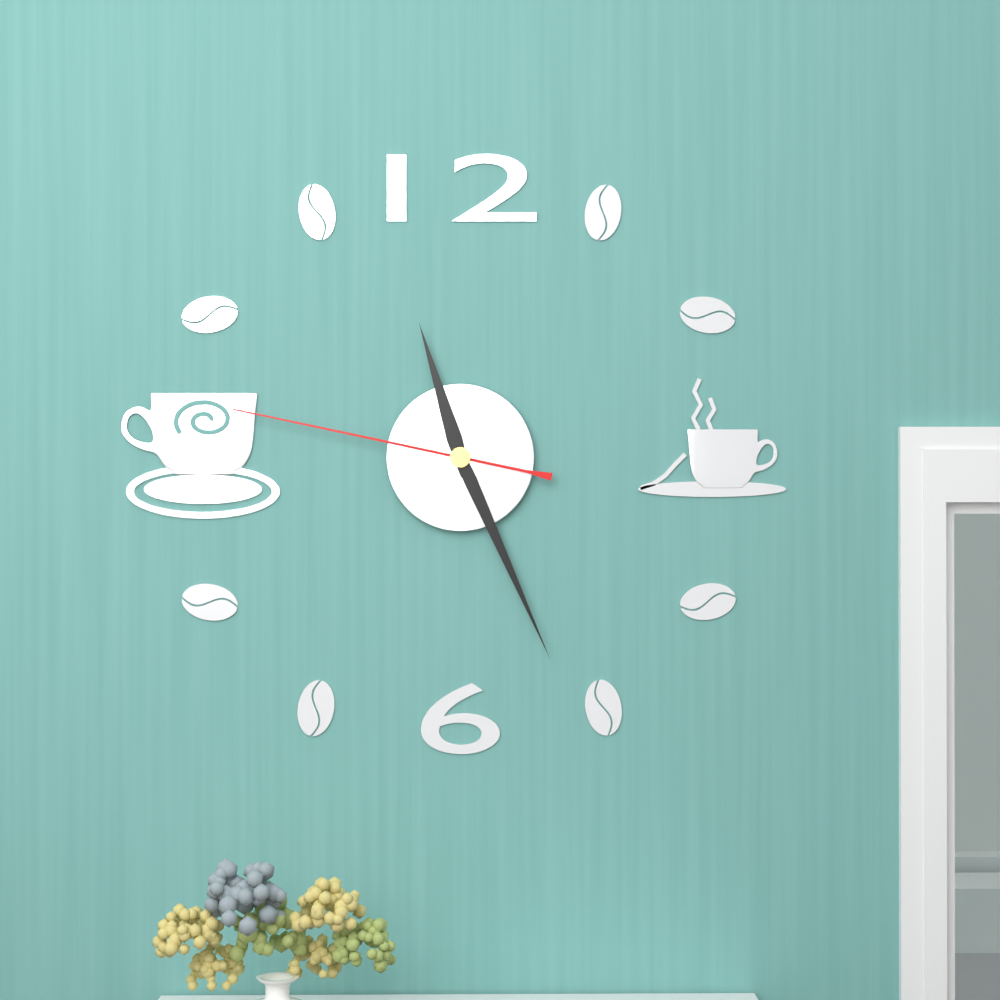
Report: 11:26:47
